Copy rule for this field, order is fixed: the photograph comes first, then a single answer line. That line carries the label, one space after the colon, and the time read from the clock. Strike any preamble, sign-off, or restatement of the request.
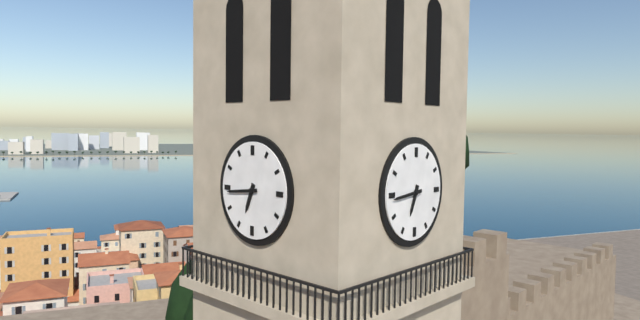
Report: 6:44
